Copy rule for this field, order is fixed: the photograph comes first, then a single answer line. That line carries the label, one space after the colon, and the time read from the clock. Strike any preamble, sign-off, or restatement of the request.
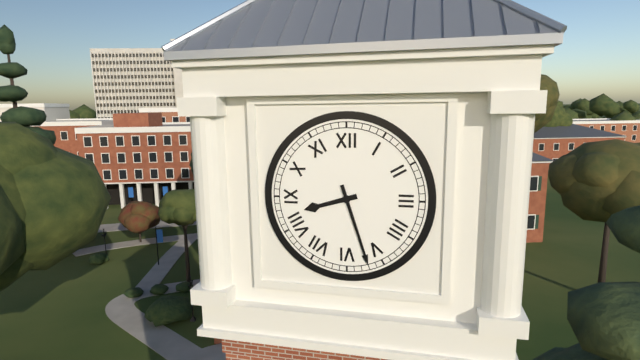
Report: 8:27
